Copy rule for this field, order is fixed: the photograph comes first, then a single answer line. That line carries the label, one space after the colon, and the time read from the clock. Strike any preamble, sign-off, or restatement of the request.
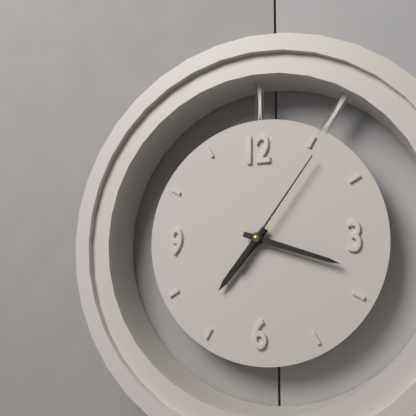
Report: 7:18:06
